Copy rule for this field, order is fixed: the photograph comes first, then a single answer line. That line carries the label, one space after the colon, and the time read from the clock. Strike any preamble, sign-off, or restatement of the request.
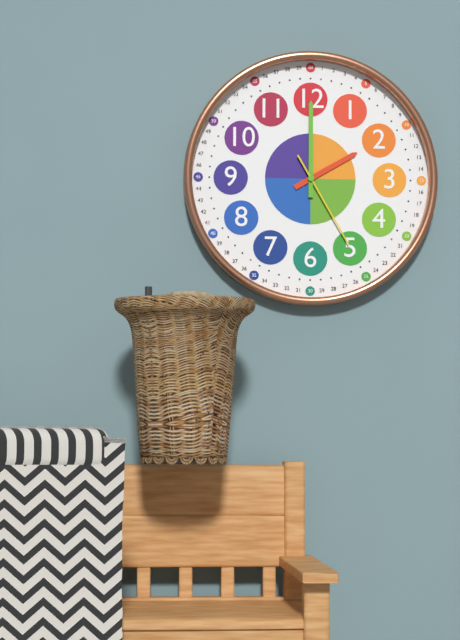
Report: 2:00:25
